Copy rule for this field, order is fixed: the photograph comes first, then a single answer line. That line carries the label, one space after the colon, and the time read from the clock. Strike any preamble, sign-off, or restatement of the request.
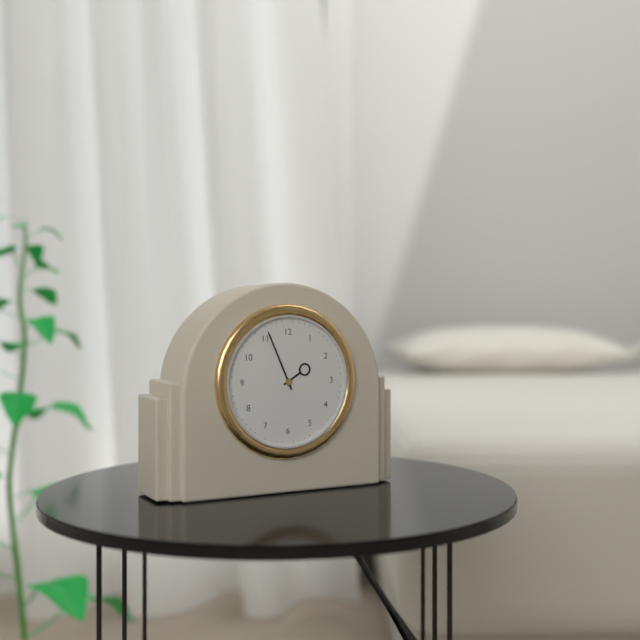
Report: 1:56
